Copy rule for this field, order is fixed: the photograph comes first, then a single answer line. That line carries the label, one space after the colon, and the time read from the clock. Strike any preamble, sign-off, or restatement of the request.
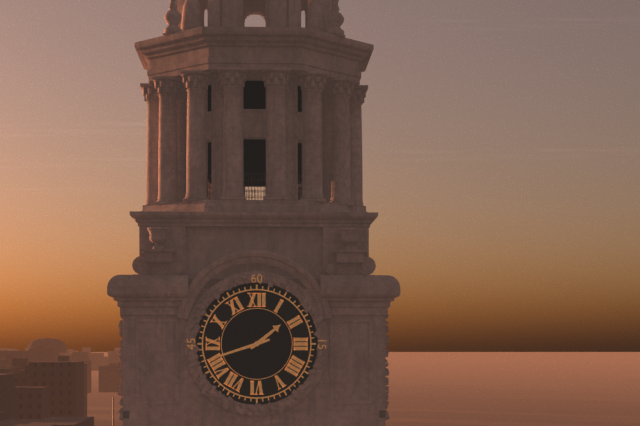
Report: 1:42
